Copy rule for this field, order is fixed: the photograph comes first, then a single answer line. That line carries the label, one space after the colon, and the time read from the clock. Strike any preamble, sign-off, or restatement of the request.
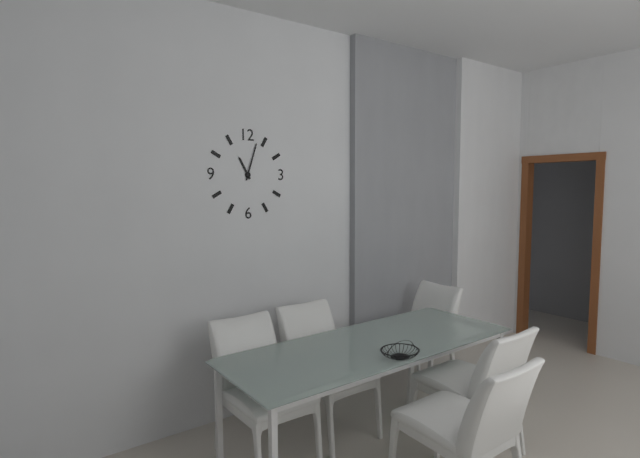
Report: 11:03
